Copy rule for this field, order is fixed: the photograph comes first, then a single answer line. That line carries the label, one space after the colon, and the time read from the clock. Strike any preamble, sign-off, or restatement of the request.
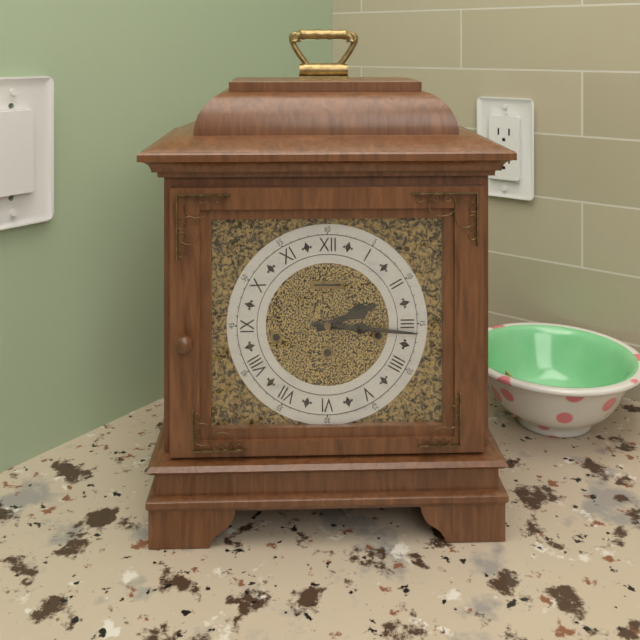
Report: 2:16
